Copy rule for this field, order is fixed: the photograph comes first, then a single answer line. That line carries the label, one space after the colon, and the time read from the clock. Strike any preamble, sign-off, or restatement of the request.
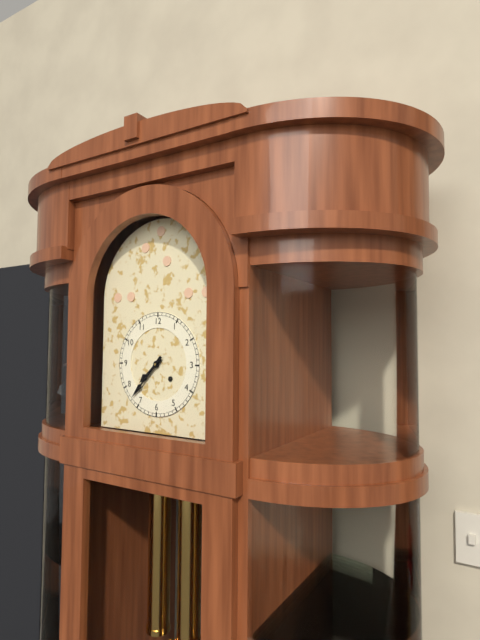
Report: 7:37
